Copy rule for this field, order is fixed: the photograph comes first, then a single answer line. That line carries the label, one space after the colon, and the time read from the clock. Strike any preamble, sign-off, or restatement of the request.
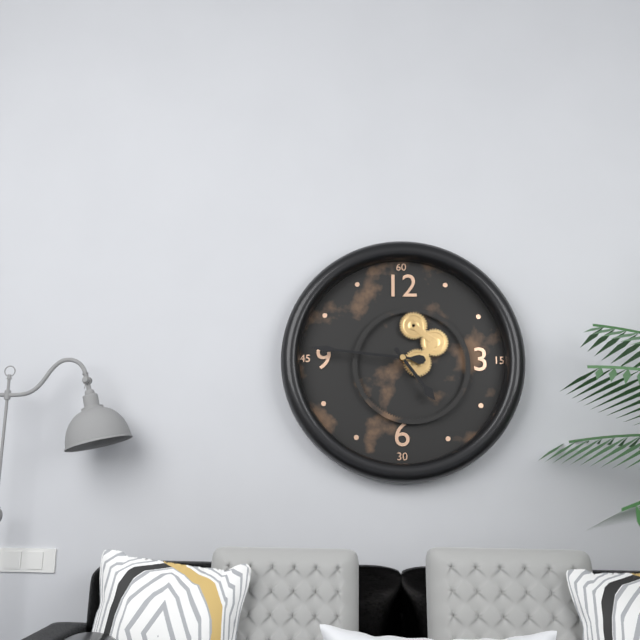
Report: 4:46
